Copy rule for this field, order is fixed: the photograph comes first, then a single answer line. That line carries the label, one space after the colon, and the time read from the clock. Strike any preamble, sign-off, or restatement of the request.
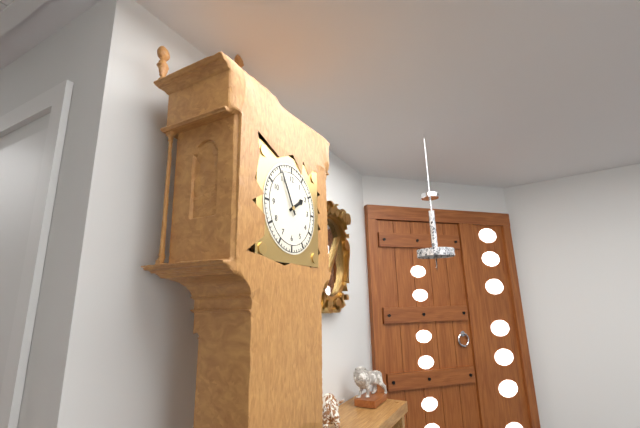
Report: 1:55
